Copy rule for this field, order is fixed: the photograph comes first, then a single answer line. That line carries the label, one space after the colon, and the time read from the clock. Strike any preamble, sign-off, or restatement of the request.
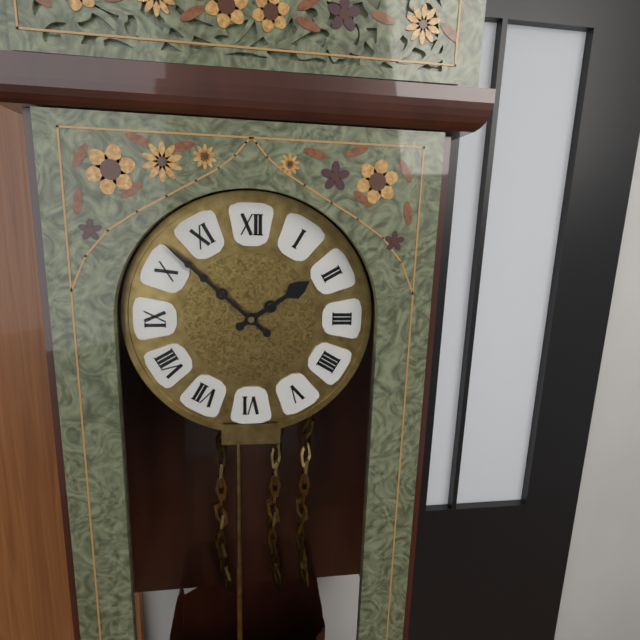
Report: 1:52
